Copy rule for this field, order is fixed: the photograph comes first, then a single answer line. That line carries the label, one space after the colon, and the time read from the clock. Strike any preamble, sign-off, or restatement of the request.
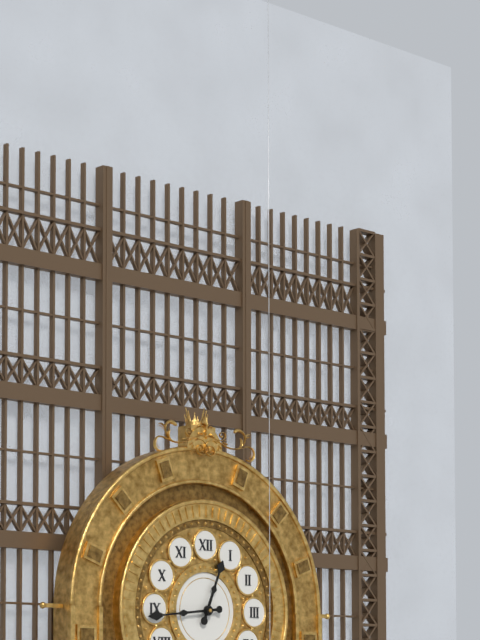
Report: 12:44
